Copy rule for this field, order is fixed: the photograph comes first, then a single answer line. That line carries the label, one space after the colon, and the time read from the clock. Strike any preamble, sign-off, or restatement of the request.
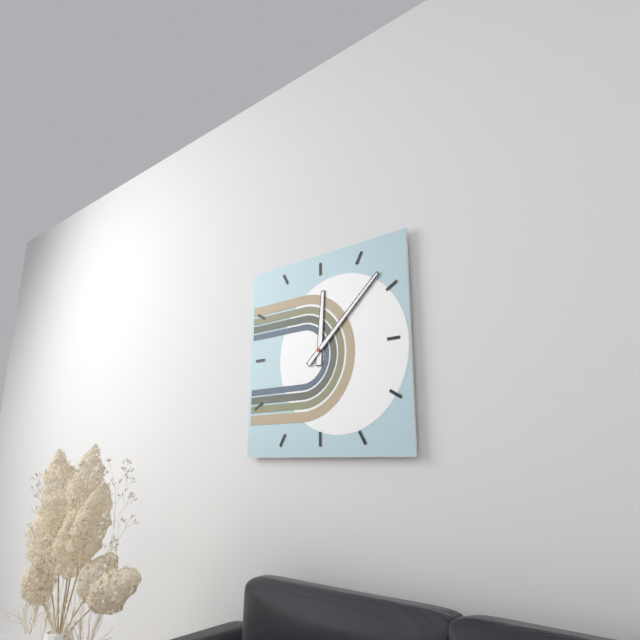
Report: 12:08
